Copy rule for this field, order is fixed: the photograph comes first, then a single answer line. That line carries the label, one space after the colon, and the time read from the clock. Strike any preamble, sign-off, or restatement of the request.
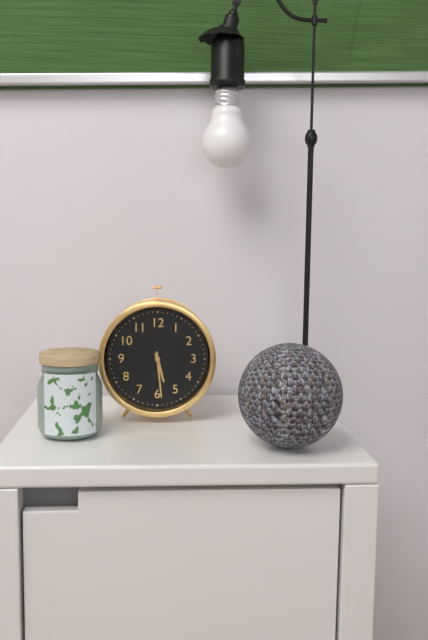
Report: 5:29
